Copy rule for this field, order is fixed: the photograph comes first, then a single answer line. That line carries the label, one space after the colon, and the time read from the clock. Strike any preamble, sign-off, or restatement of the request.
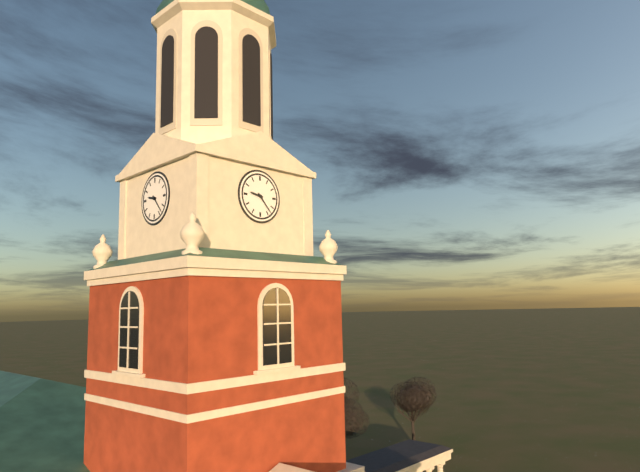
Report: 9:23
